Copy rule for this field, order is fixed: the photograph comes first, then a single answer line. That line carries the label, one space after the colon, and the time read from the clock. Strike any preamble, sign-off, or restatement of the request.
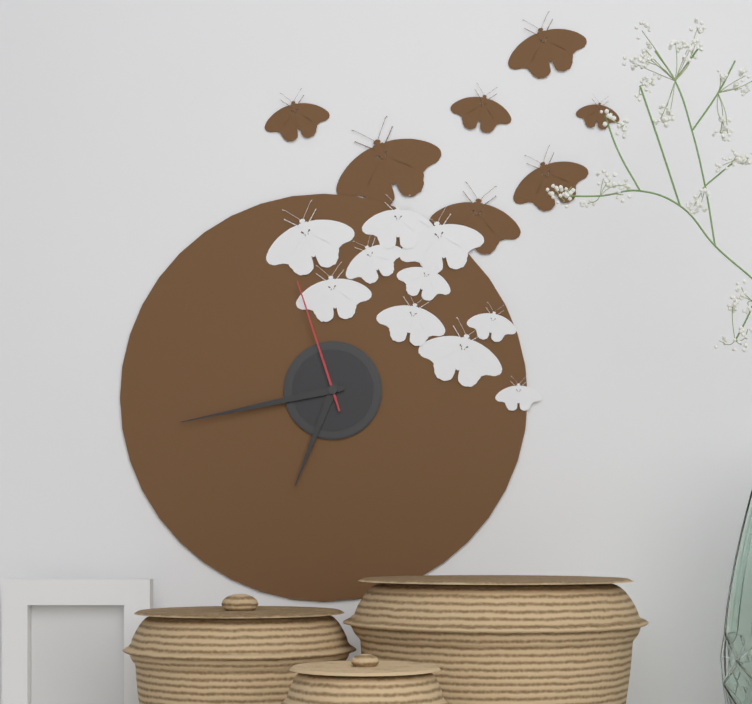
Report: 6:43:57
